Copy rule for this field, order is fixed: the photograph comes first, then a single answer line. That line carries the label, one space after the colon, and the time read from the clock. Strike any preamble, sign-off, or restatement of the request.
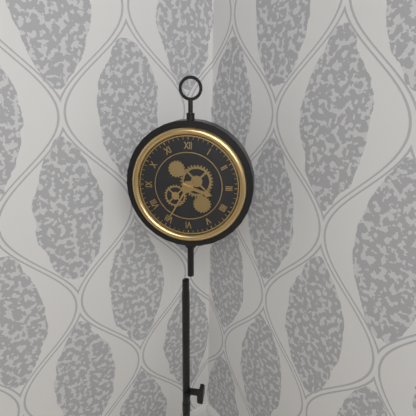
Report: 3:35
